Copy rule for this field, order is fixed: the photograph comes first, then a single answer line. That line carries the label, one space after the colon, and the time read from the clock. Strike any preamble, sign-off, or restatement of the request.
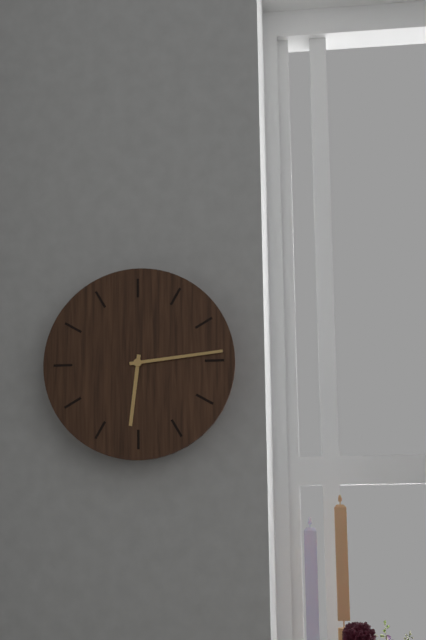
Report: 6:14
